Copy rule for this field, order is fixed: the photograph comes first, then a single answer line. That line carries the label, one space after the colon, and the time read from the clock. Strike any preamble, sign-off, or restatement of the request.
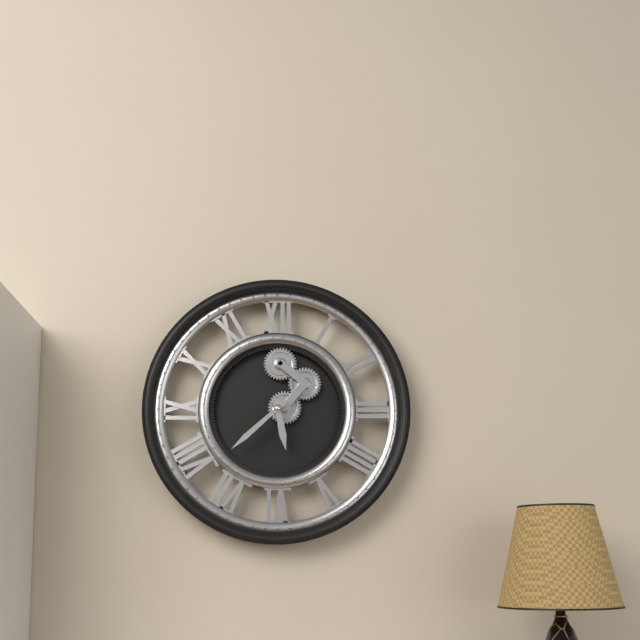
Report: 5:38
